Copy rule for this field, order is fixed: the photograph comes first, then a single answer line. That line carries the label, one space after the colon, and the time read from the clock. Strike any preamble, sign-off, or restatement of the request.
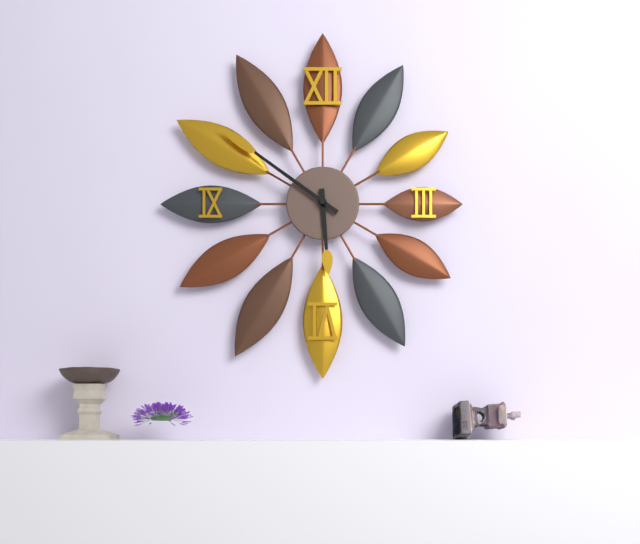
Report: 5:51
